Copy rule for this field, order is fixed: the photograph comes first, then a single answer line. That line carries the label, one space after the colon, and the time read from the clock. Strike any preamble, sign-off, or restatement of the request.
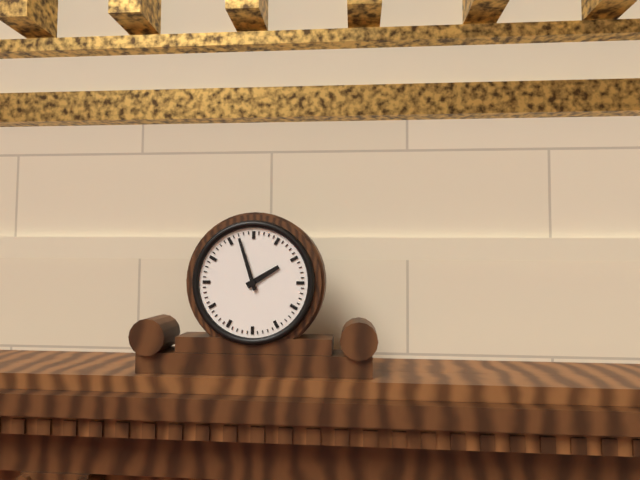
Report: 1:57
